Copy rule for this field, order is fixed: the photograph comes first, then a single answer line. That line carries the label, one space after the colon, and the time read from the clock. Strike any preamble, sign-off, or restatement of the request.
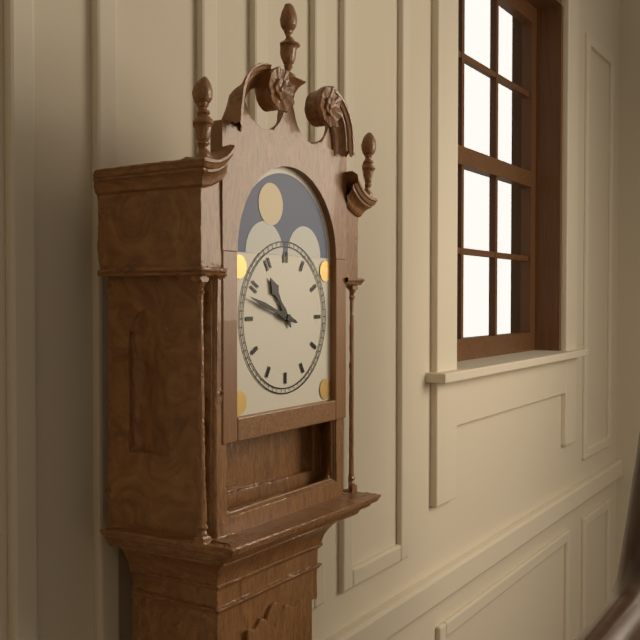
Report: 10:48
